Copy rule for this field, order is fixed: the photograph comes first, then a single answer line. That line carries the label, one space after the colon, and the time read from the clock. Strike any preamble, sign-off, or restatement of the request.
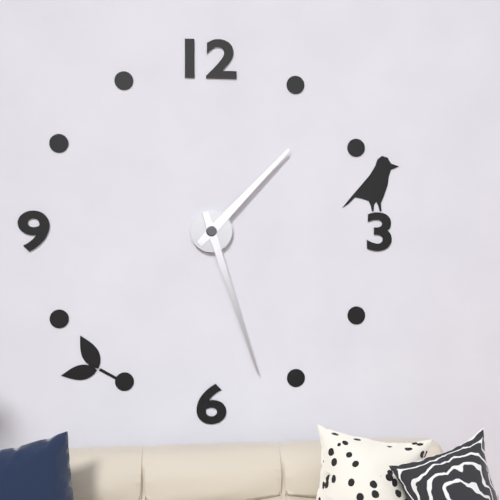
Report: 1:27
